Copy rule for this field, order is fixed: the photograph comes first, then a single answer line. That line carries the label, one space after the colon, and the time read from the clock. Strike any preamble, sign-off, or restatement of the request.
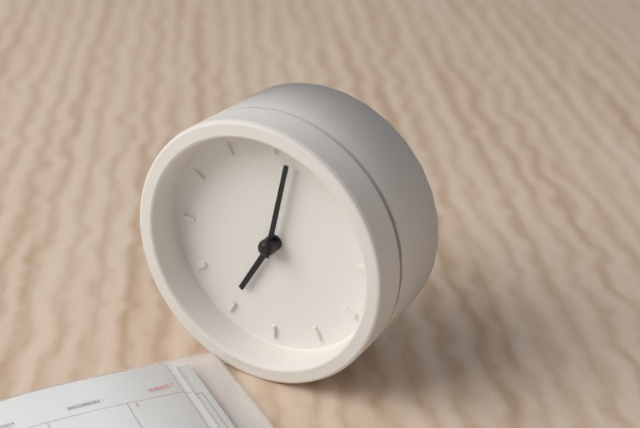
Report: 7:02
